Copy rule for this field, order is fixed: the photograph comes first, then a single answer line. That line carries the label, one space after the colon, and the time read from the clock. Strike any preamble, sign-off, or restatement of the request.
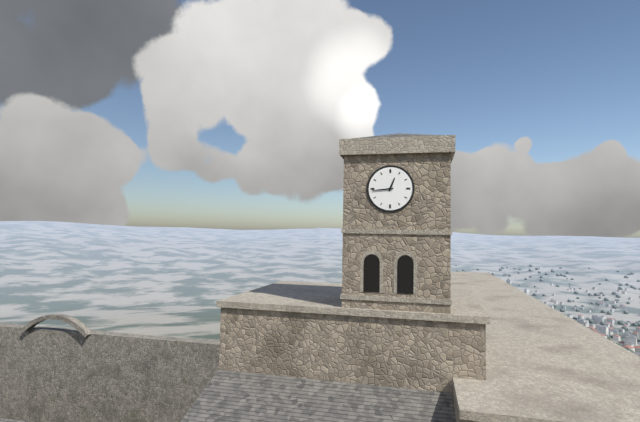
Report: 12:44
